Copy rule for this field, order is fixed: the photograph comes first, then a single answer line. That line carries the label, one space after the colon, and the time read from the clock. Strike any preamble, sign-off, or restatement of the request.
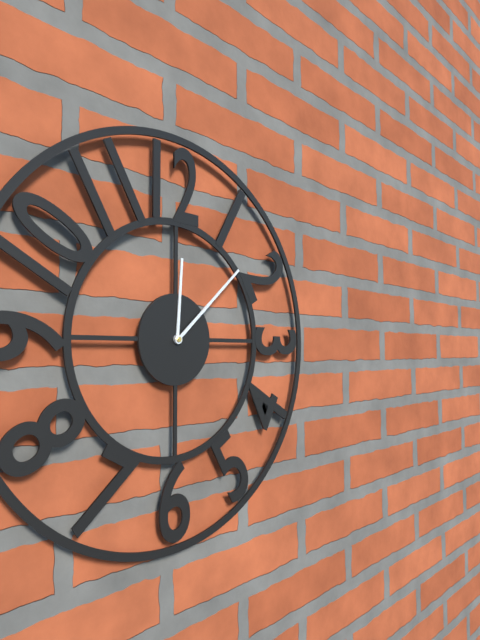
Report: 12:08
